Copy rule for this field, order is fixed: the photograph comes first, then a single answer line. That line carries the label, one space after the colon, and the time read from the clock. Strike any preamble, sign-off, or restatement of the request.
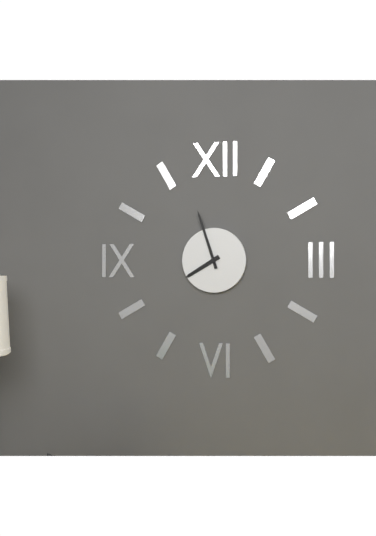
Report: 7:57
